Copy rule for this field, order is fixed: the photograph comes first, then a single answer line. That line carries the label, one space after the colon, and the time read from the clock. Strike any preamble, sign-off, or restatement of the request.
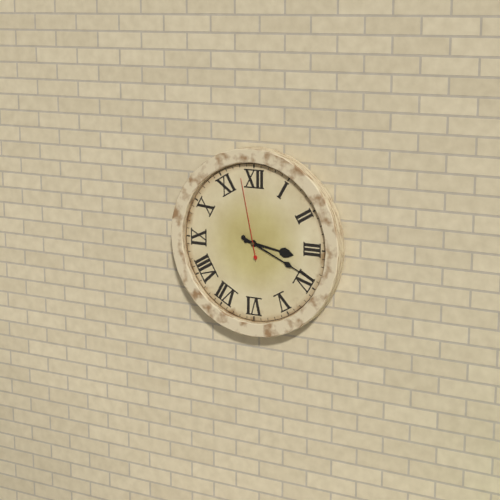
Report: 3:19:58
